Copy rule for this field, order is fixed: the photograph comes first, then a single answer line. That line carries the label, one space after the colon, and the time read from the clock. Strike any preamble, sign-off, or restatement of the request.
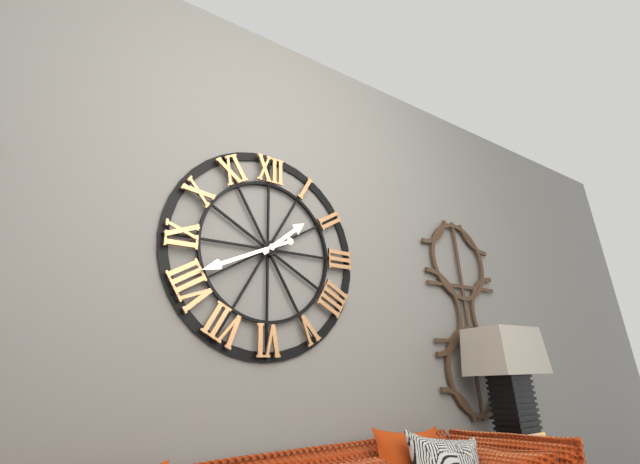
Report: 1:41
